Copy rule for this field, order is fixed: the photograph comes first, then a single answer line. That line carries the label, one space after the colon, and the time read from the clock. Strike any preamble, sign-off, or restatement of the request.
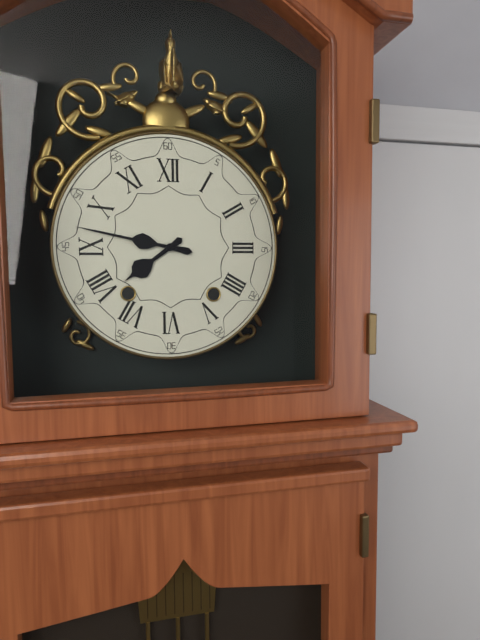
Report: 7:47
